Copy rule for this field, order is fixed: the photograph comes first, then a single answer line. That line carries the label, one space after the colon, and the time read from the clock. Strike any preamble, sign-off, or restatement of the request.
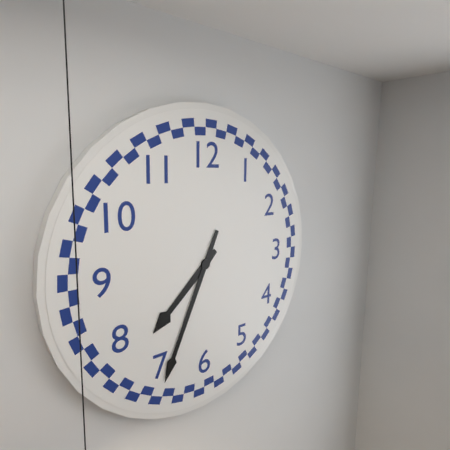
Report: 7:34
